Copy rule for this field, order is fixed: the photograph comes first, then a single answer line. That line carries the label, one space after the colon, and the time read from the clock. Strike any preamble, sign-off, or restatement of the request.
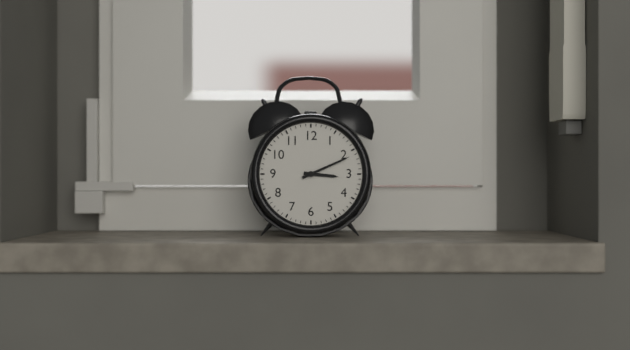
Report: 3:11
